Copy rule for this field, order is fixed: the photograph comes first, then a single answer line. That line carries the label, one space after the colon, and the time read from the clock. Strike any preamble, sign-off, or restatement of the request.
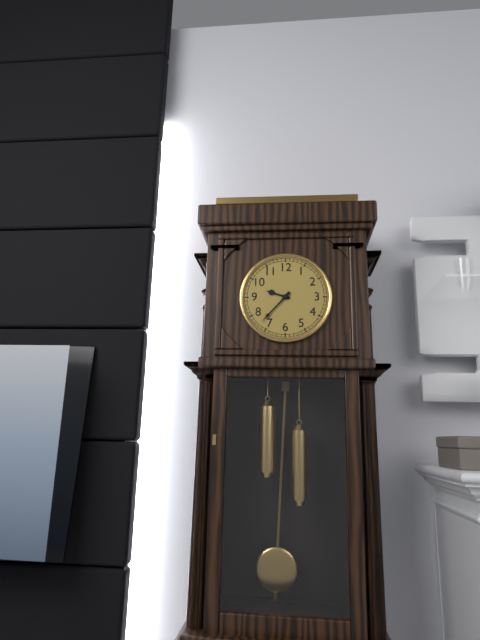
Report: 9:37
